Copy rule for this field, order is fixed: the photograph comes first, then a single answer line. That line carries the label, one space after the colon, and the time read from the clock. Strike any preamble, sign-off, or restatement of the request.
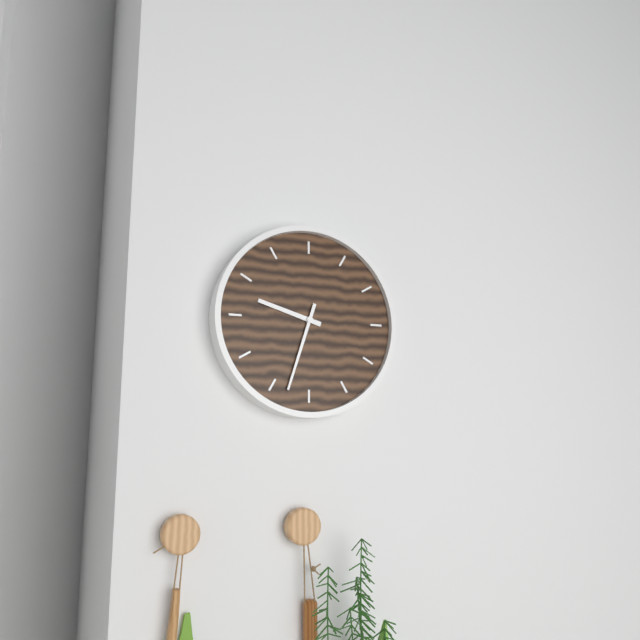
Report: 9:33
